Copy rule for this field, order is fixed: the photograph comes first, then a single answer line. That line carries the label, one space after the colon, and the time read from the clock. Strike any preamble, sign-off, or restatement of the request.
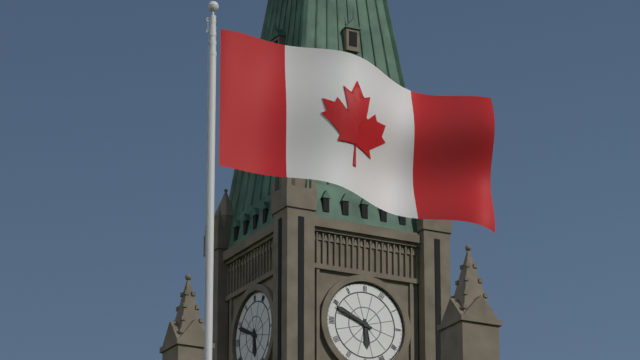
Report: 5:49
